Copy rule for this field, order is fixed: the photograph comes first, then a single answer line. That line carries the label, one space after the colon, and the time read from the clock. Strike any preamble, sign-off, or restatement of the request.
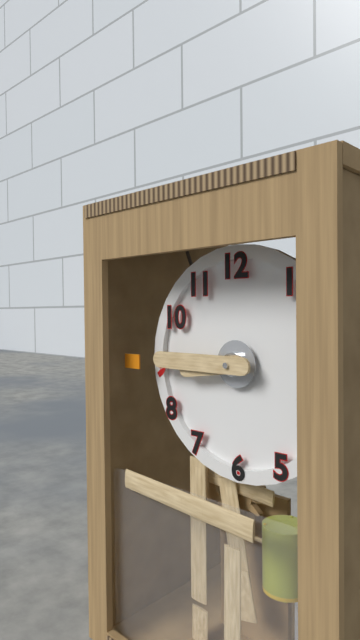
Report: 8:45
